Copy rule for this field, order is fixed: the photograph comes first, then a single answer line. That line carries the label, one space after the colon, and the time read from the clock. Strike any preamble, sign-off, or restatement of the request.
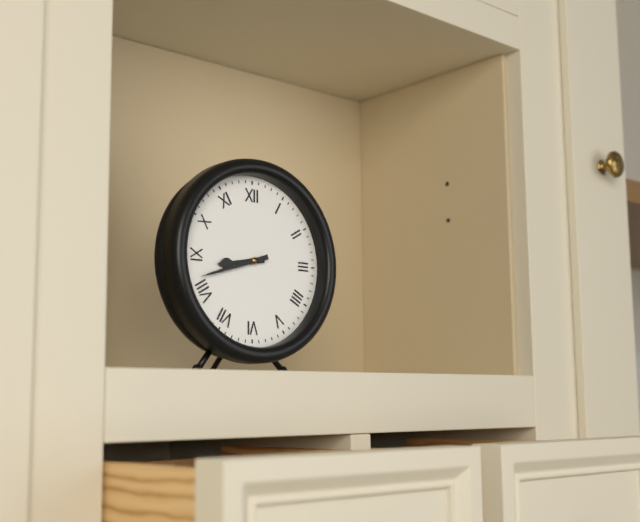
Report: 8:42
